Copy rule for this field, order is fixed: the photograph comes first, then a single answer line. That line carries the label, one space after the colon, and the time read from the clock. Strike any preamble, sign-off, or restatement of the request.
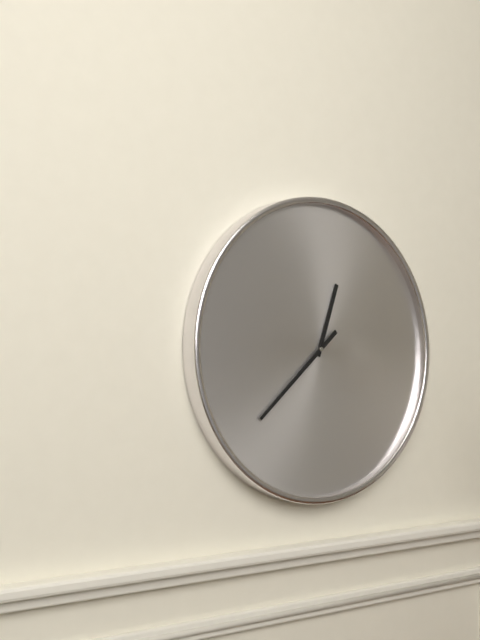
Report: 12:38
